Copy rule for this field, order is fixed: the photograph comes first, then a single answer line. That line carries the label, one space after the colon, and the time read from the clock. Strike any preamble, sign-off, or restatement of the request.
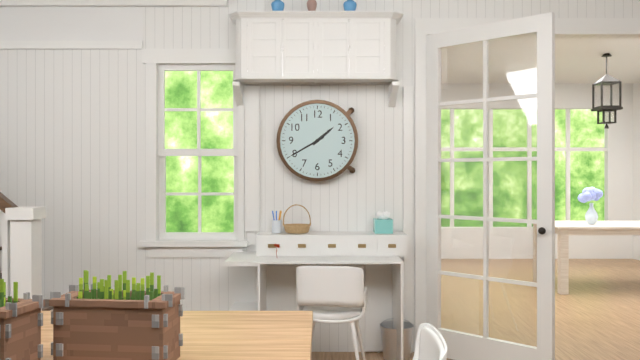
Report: 1:40
